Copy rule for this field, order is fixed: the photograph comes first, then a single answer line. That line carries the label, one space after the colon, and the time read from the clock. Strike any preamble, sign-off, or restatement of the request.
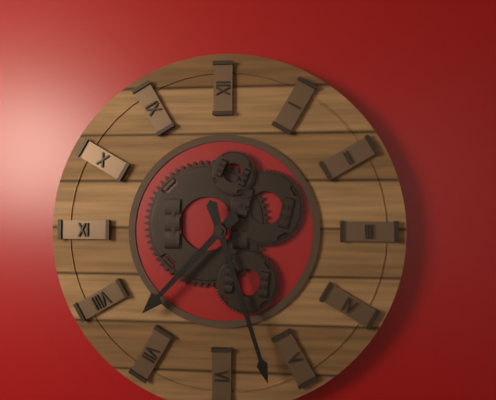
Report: 7:27
